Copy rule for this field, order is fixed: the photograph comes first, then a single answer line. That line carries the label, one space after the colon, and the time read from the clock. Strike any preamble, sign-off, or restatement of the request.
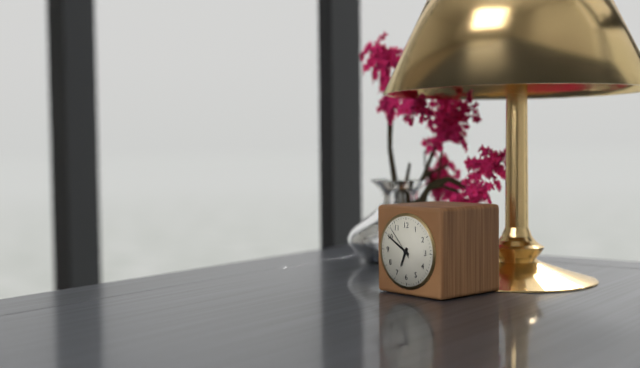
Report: 6:50
